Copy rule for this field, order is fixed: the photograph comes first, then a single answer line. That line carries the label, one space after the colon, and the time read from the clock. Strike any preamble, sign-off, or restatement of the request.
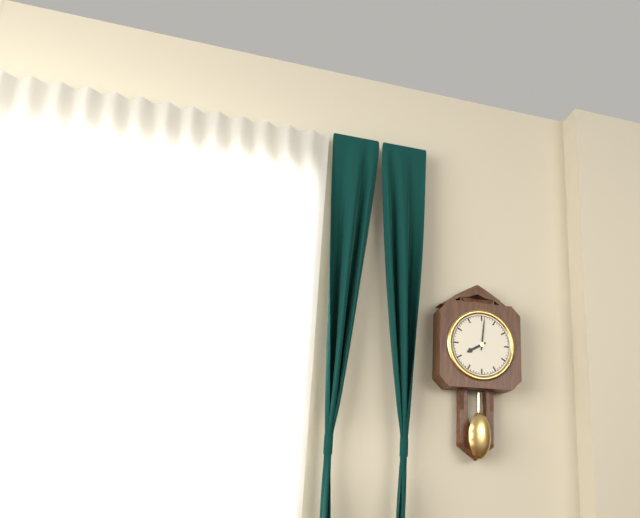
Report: 8:01
